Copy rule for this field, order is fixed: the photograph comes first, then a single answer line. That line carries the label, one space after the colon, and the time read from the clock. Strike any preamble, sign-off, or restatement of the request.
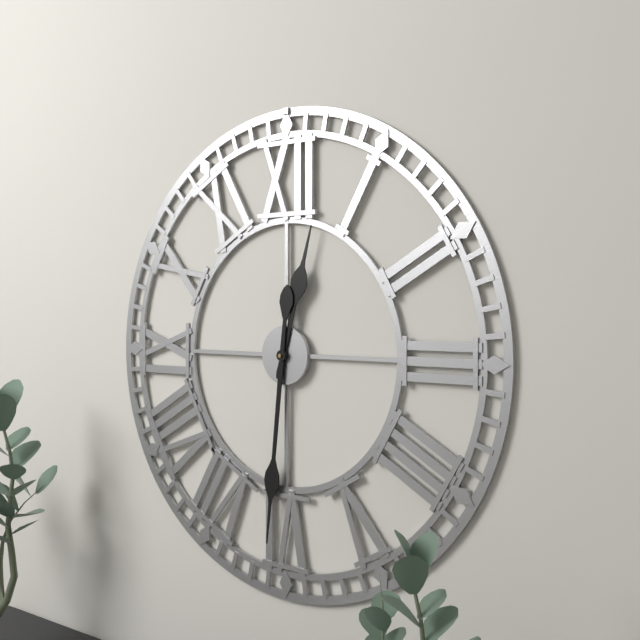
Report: 12:31
